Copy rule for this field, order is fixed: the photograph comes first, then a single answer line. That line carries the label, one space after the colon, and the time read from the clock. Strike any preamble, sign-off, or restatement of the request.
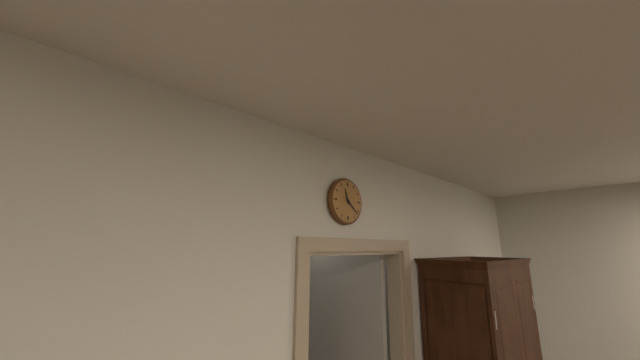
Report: 11:22
